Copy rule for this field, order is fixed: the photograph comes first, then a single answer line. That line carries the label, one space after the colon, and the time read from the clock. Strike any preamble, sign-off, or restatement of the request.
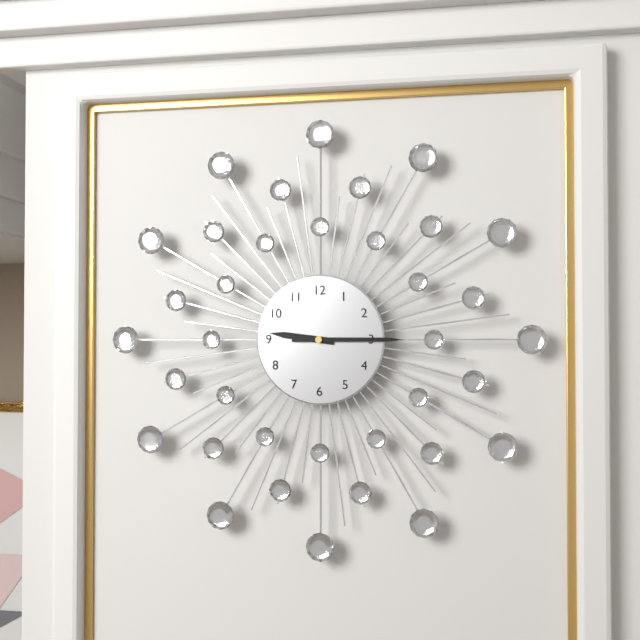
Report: 9:15
